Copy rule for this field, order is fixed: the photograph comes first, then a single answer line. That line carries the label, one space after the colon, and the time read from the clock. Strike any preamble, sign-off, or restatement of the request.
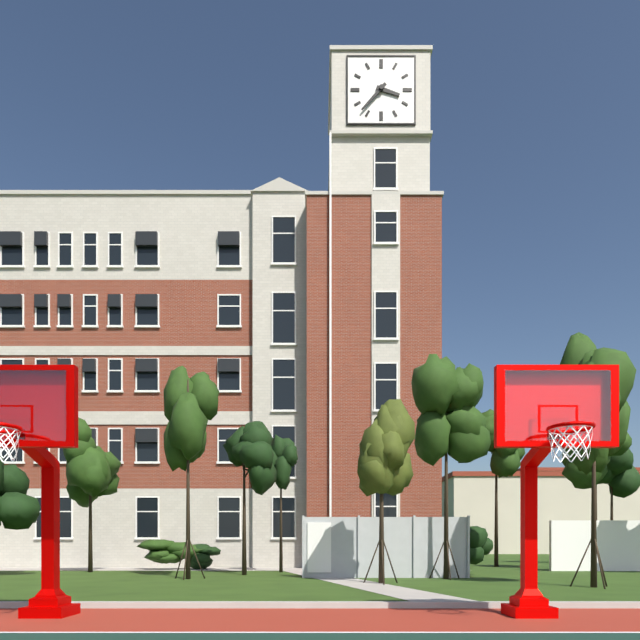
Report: 3:37
